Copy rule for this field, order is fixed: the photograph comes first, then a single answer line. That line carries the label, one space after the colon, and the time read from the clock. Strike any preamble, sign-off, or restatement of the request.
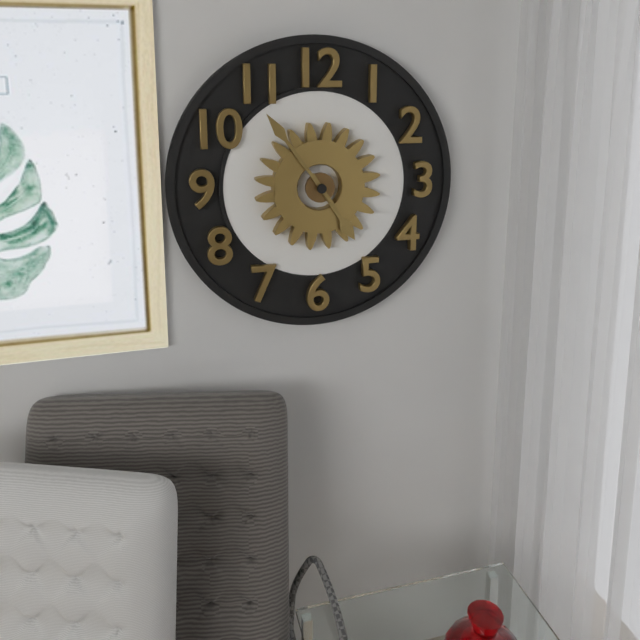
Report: 4:54
